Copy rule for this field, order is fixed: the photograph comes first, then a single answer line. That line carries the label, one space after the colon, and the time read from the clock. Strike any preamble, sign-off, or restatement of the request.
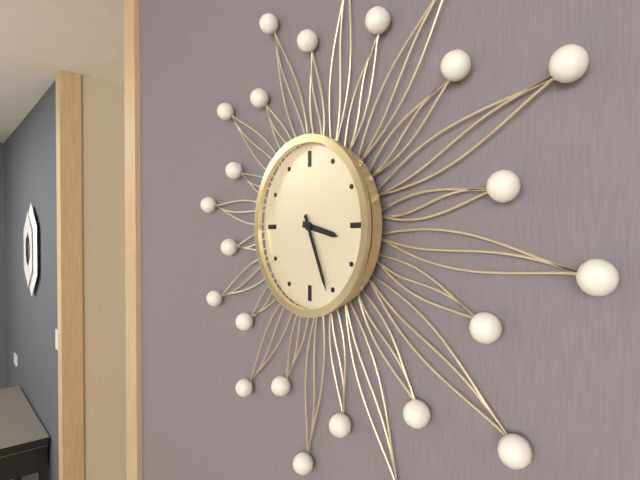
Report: 3:26
